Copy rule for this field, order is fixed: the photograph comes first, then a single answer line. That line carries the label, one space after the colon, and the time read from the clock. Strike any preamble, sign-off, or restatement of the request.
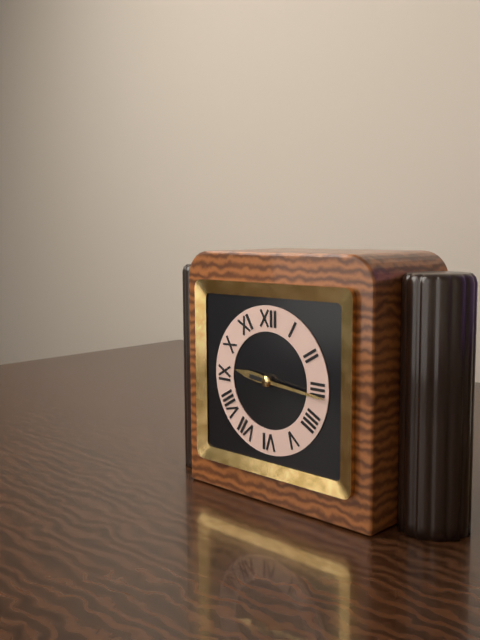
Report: 9:16
